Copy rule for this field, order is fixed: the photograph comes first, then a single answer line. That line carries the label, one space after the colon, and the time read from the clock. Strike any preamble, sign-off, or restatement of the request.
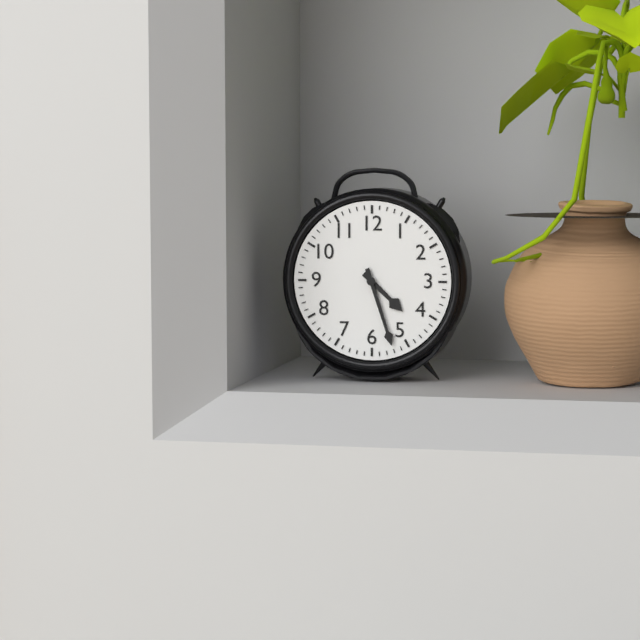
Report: 4:27
